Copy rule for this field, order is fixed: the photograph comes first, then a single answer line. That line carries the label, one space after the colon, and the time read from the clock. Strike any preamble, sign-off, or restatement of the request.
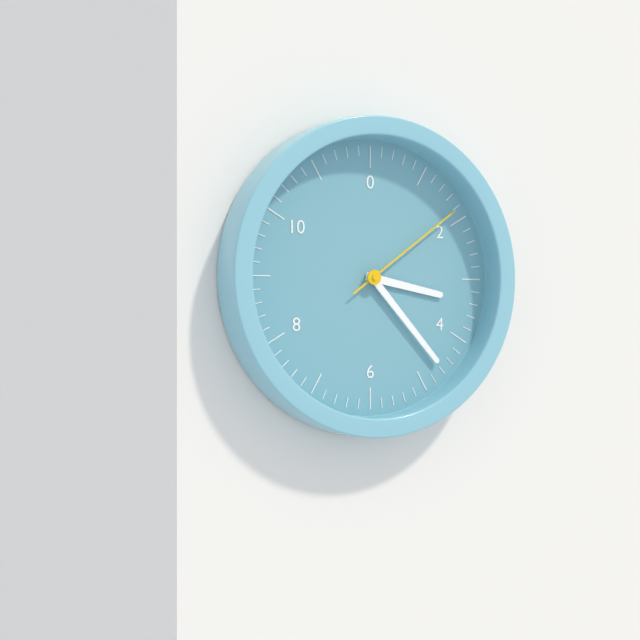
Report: 3:23:09
